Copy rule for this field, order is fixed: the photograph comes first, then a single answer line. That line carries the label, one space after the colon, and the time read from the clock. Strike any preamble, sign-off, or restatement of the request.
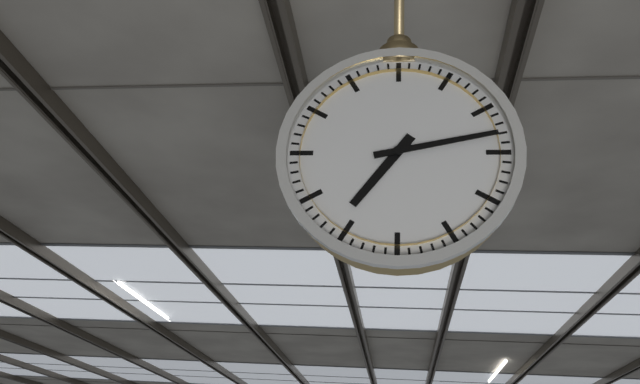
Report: 7:13
